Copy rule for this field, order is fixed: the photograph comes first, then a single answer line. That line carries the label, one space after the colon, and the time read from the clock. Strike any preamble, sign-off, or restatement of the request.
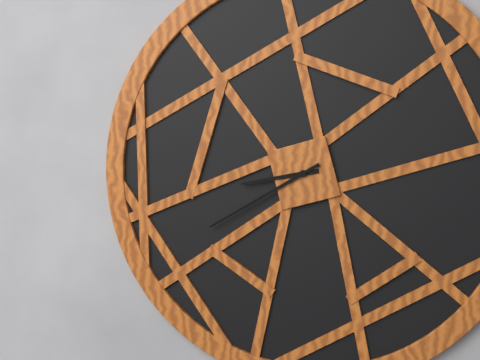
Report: 8:40
